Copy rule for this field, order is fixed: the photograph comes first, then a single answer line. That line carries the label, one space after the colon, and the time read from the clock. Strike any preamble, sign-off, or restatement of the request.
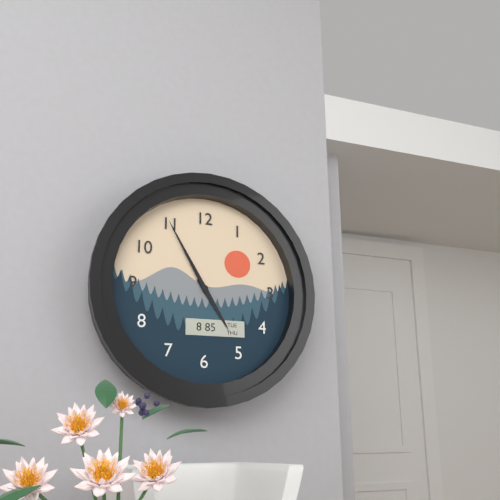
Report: 4:55
